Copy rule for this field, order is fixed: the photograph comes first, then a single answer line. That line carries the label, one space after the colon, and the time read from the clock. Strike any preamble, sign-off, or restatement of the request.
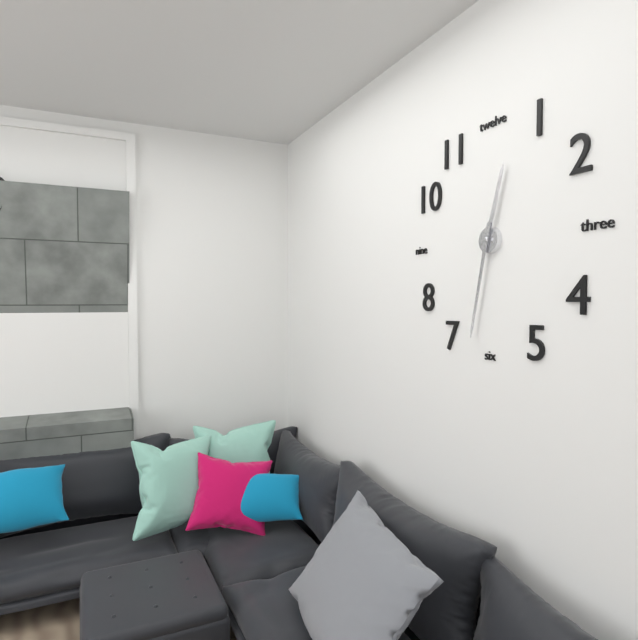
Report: 12:32
